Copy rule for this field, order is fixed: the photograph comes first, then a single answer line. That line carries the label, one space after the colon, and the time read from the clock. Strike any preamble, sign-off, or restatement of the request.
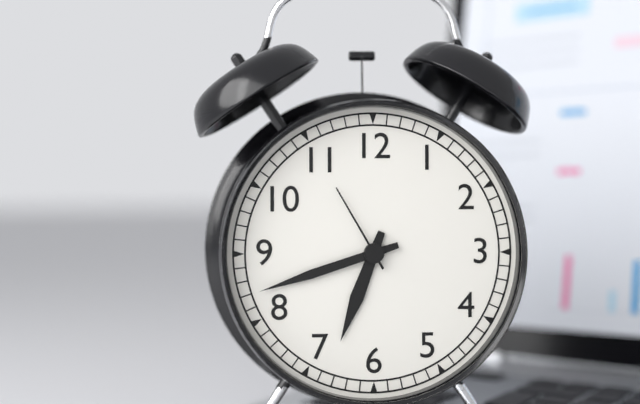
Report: 6:42:55
